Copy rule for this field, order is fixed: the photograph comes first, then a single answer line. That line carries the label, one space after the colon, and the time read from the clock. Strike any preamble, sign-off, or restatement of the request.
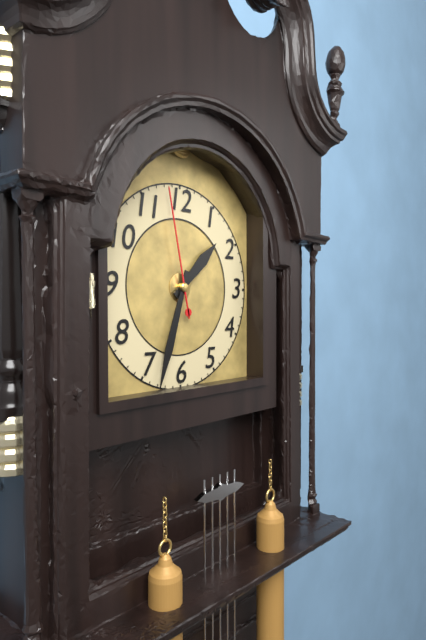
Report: 1:33:58
